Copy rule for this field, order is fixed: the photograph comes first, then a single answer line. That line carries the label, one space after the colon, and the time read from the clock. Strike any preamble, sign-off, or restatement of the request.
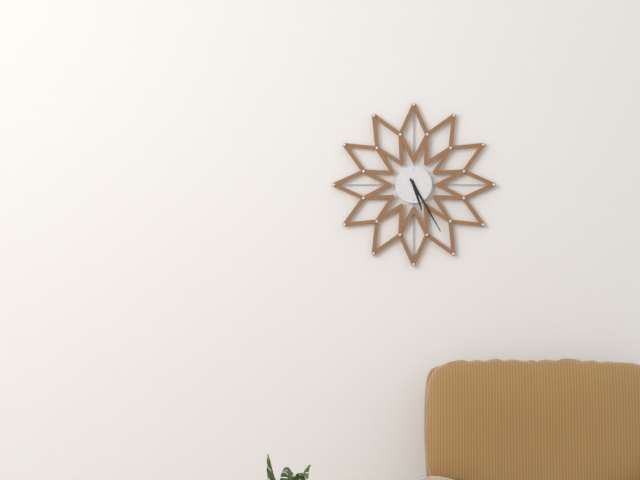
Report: 5:25
